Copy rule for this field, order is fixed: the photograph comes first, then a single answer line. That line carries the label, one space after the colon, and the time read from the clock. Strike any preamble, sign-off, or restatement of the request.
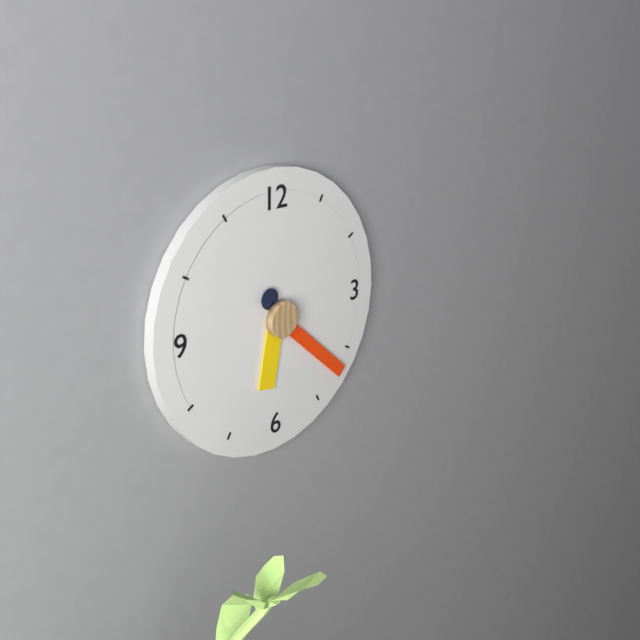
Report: 6:22
